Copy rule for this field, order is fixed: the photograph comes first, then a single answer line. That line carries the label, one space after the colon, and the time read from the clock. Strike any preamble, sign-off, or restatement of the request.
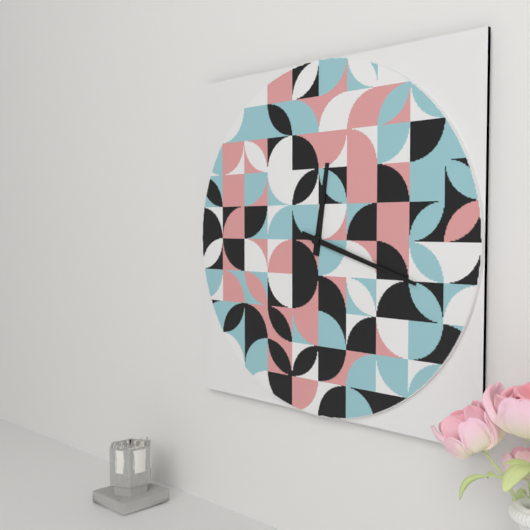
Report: 12:18
